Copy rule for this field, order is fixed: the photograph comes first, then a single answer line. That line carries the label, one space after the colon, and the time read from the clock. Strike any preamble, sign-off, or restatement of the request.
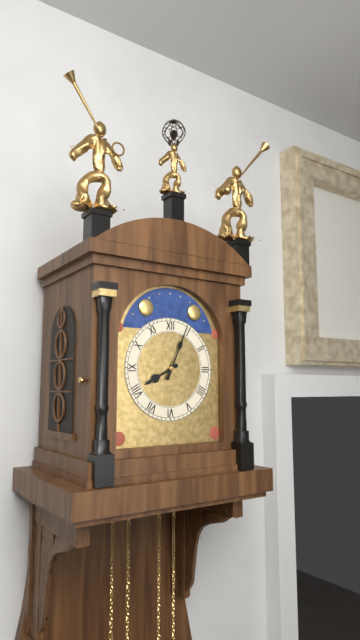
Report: 8:04
